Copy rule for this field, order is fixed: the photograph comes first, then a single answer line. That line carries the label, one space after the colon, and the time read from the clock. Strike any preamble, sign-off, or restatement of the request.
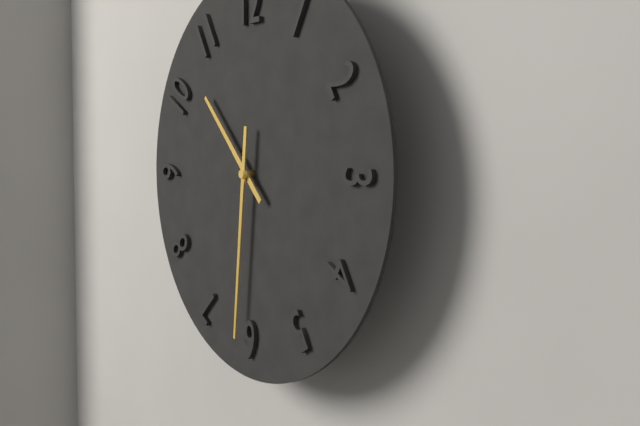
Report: 10:31
